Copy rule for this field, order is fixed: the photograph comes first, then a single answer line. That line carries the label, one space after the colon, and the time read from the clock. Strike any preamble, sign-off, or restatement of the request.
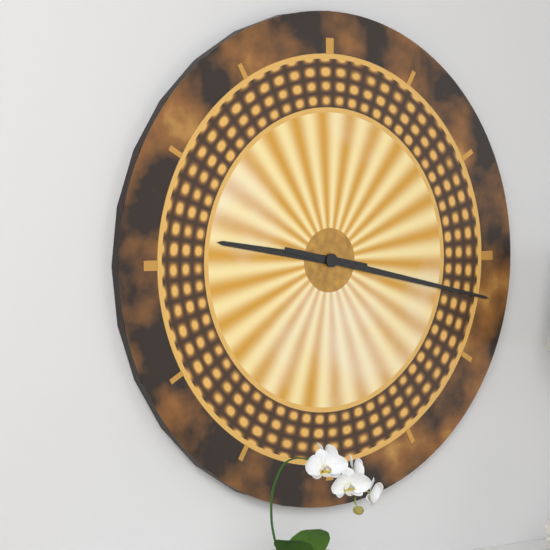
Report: 9:17
